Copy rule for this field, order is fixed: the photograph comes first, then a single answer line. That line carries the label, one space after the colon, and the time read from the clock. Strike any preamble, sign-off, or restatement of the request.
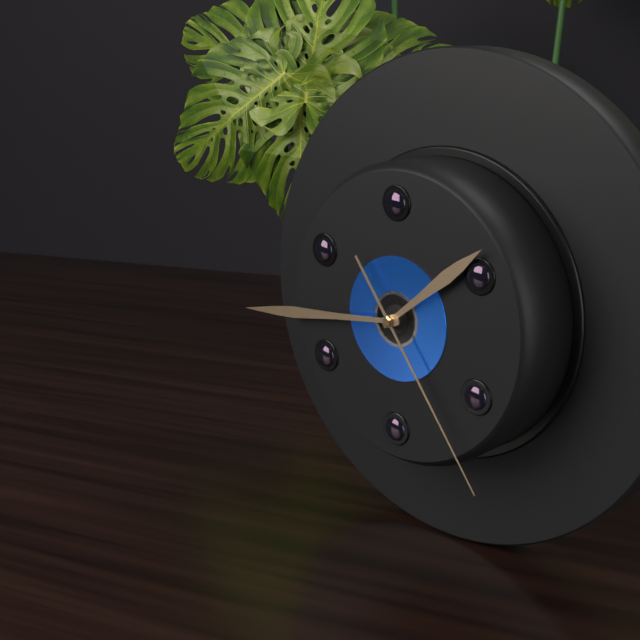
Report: 1:44:24
